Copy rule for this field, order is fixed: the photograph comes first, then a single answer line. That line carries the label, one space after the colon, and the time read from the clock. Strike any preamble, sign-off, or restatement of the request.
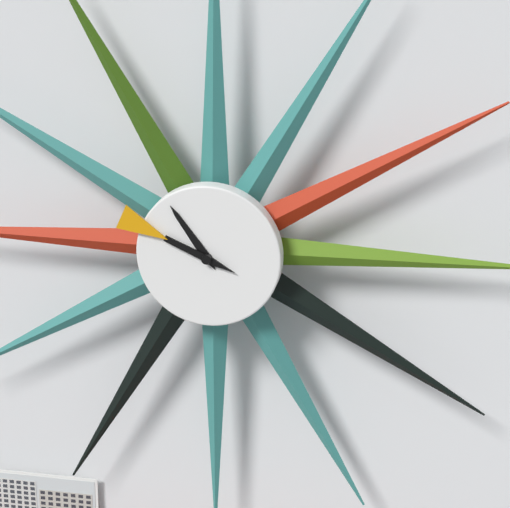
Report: 10:49
